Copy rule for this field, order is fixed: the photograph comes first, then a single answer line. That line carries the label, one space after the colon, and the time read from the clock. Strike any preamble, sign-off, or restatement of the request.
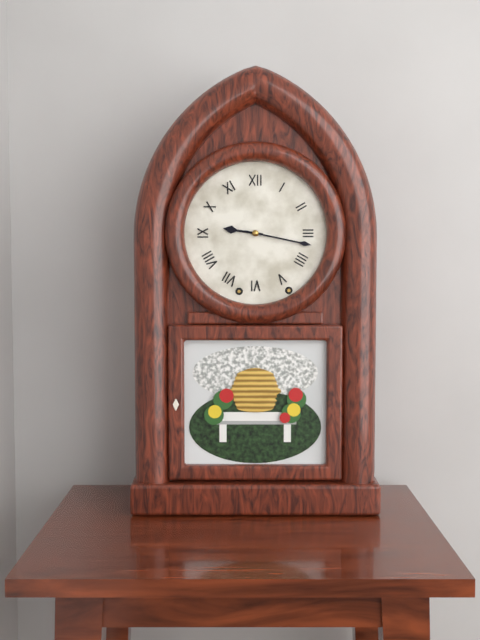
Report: 9:17
